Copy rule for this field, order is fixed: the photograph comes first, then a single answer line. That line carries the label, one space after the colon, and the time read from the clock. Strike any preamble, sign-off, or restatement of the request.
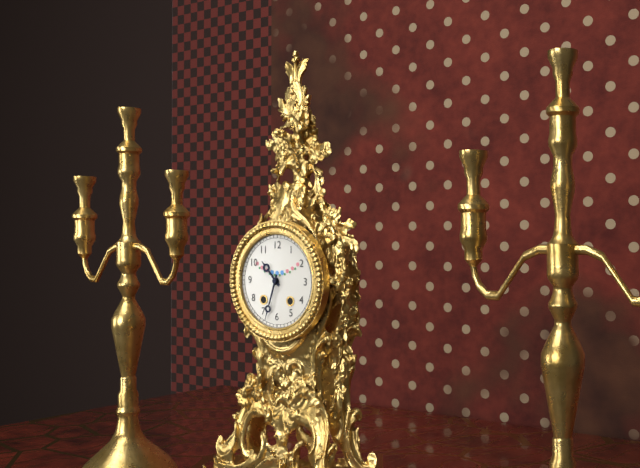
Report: 10:33
